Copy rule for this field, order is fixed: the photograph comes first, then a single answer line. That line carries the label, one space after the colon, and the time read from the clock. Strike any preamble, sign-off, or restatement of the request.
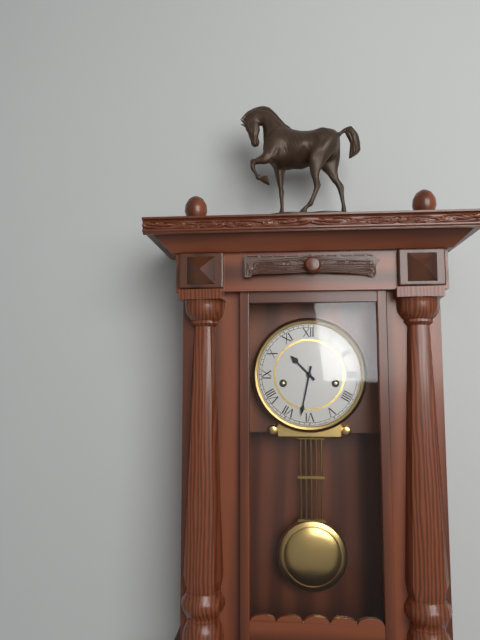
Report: 10:32
